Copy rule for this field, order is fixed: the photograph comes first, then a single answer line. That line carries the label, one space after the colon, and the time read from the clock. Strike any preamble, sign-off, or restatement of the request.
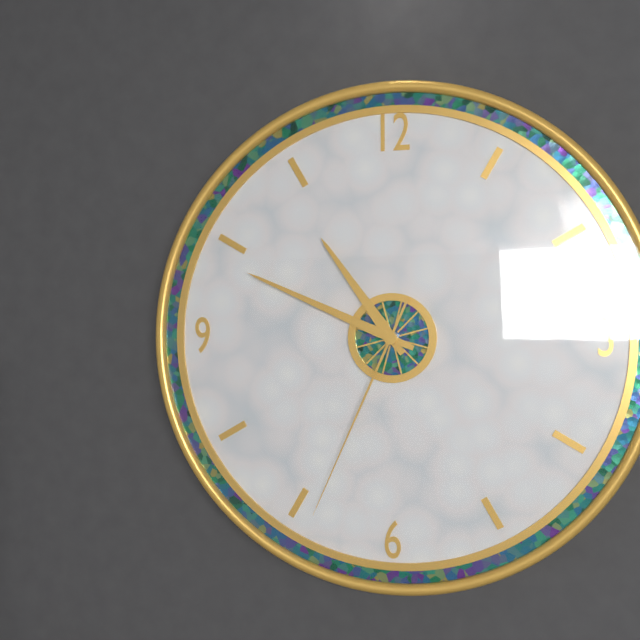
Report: 10:49:34
